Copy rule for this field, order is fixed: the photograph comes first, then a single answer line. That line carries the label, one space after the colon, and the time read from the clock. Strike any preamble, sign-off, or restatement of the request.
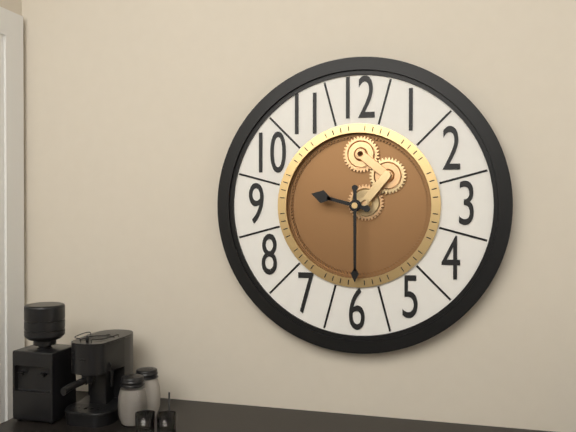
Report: 9:30
